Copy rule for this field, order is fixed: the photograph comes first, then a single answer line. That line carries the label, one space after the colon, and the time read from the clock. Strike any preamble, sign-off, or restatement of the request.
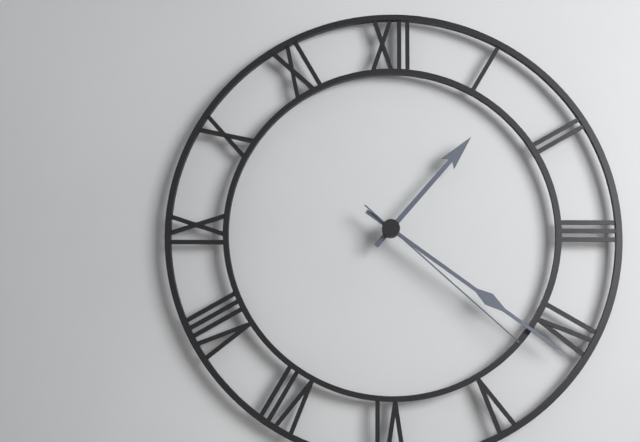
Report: 1:21:22
